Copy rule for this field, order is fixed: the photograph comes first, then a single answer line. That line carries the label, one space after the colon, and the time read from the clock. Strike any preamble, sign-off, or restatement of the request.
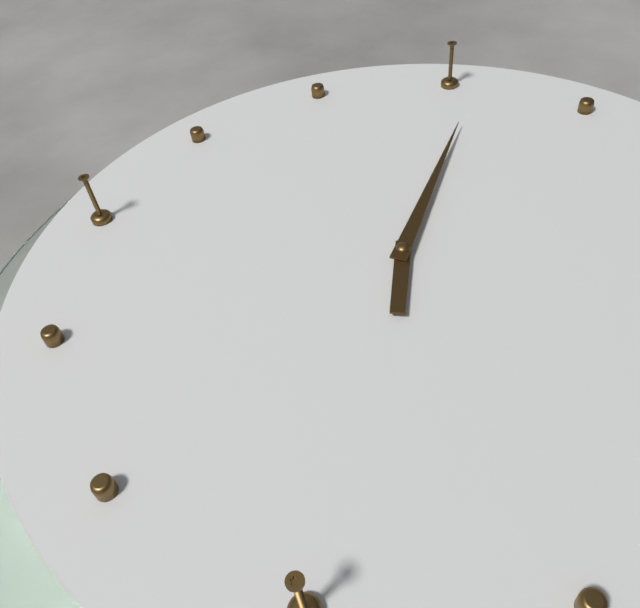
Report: 2:46
